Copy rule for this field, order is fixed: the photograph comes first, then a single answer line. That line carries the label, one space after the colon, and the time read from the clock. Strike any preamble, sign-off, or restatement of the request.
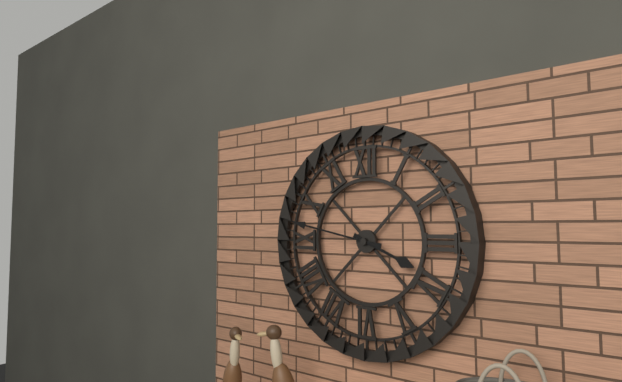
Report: 3:47
